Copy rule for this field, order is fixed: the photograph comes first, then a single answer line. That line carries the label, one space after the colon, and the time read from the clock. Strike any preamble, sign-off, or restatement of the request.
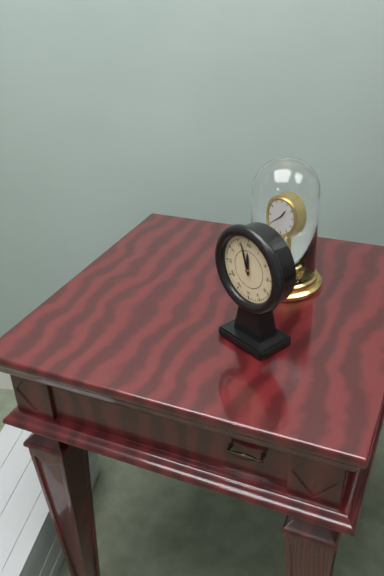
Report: 11:57
